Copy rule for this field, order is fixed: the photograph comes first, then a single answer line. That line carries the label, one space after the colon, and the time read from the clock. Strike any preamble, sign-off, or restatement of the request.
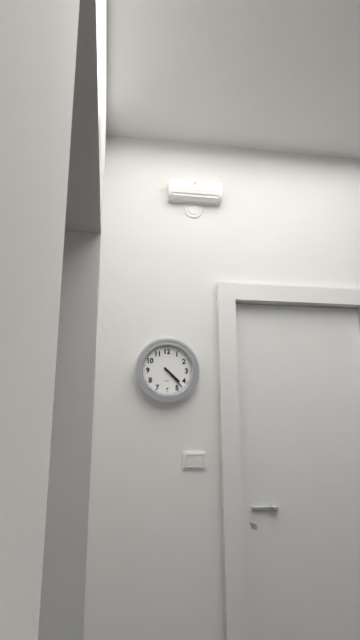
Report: 4:23
